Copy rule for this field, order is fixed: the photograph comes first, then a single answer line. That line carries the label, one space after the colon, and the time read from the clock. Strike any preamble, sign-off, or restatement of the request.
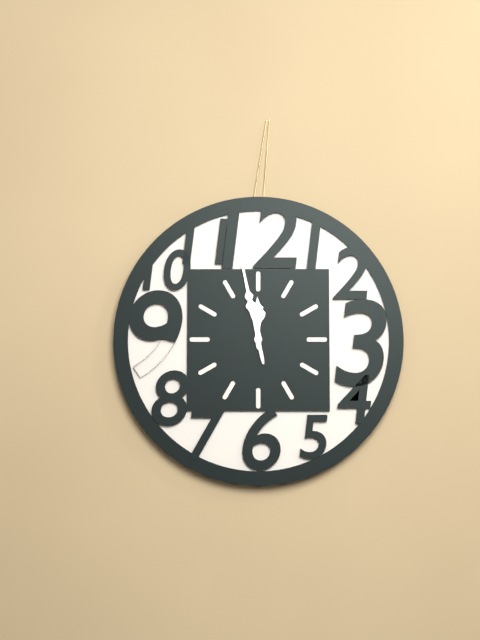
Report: 11:58
